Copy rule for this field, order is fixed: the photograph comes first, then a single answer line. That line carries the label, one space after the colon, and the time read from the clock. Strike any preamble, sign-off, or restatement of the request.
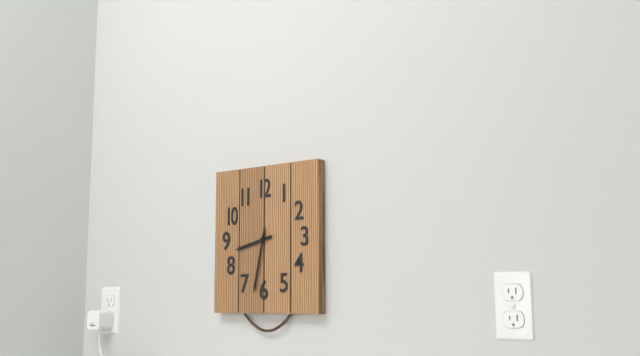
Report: 8:32
